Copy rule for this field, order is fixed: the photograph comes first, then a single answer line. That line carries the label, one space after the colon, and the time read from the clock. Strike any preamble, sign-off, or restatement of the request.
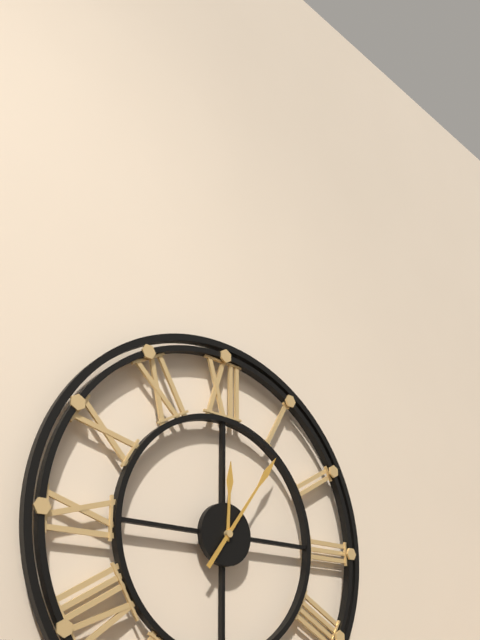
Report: 12:06
